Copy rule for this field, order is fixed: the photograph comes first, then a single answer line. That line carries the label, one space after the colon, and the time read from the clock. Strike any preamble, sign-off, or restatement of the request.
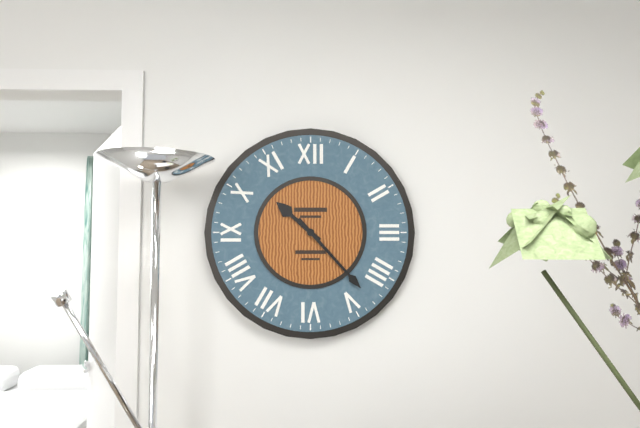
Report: 10:23
